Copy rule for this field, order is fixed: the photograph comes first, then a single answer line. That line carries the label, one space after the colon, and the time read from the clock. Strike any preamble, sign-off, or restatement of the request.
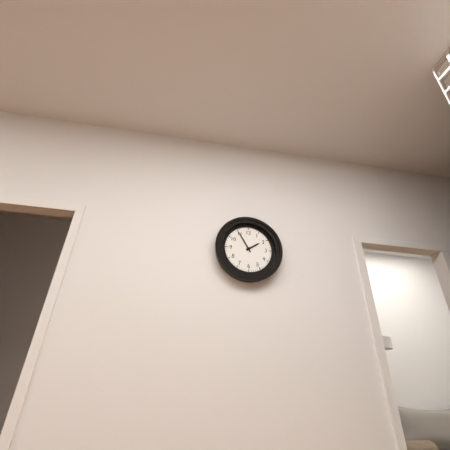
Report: 1:55
